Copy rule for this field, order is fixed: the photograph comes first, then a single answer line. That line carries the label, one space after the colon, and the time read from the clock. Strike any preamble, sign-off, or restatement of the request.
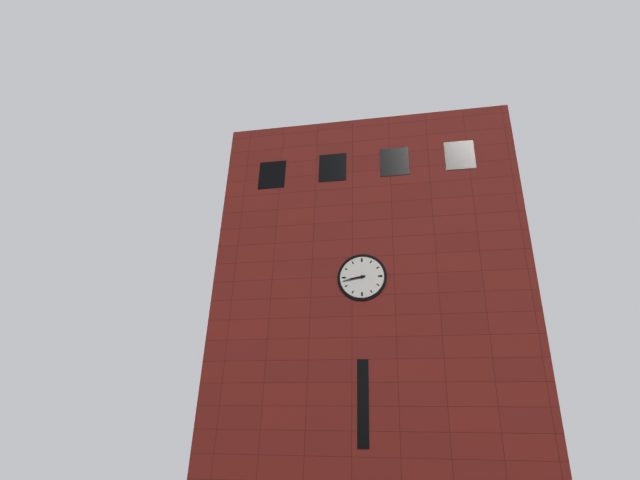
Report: 8:43
